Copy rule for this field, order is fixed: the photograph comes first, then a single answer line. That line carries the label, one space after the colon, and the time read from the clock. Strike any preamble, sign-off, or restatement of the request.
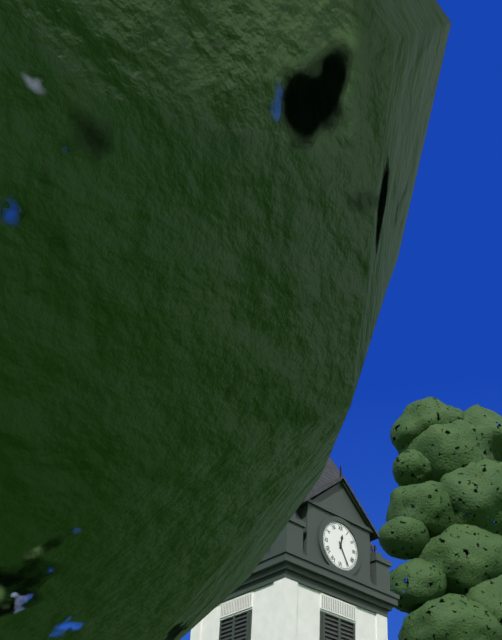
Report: 12:25
